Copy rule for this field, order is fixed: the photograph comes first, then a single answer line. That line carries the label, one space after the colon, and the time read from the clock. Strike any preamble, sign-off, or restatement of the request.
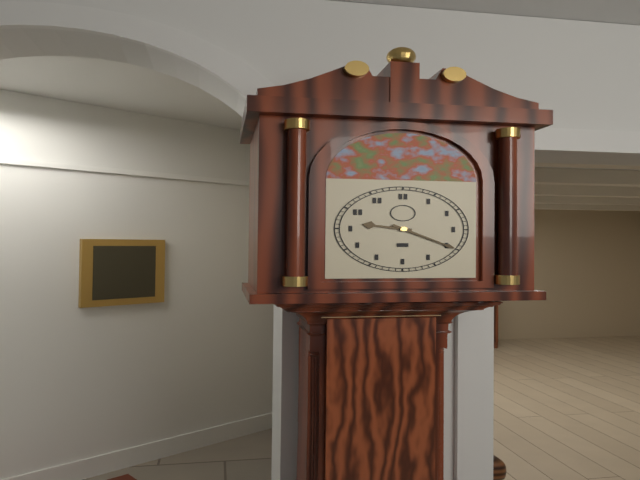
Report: 9:20
